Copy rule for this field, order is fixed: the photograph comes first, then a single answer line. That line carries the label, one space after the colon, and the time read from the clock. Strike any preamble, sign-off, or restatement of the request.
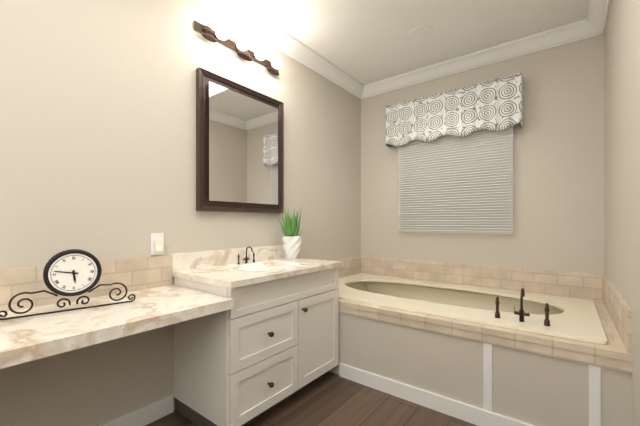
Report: 5:47
